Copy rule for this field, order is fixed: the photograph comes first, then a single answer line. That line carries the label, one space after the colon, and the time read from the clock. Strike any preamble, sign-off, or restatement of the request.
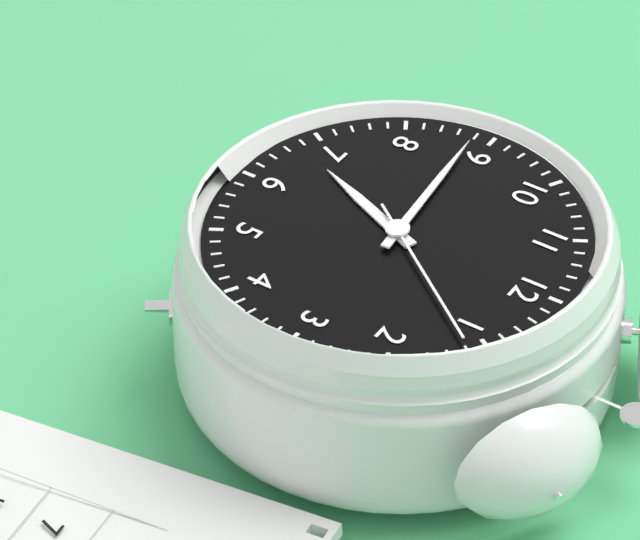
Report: 6:44:06
